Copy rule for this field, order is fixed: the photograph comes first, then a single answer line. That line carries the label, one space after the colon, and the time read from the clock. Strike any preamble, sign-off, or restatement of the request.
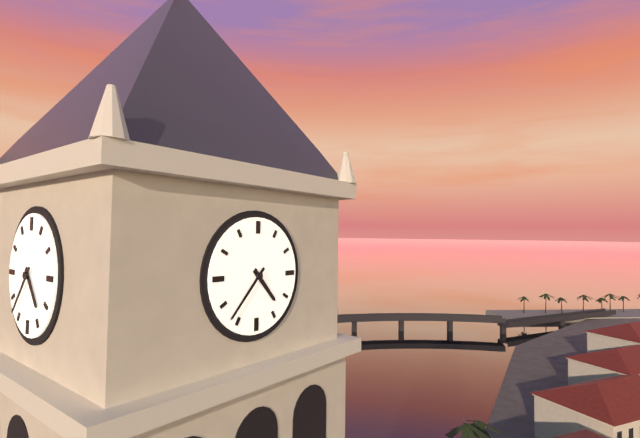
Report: 4:37
